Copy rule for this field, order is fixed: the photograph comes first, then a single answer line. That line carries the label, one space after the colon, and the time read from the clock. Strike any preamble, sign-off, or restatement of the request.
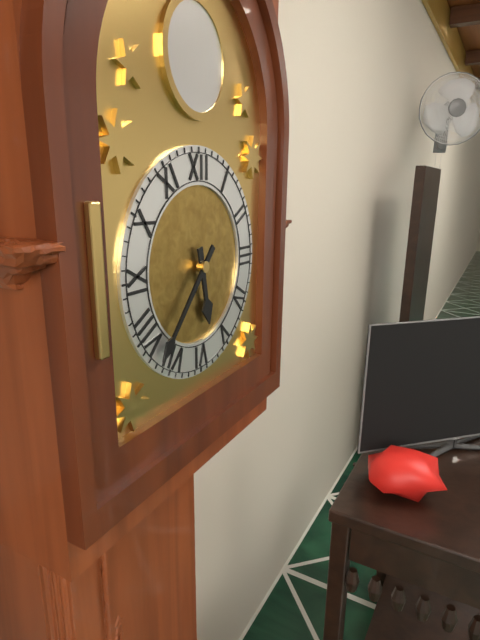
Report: 5:37
